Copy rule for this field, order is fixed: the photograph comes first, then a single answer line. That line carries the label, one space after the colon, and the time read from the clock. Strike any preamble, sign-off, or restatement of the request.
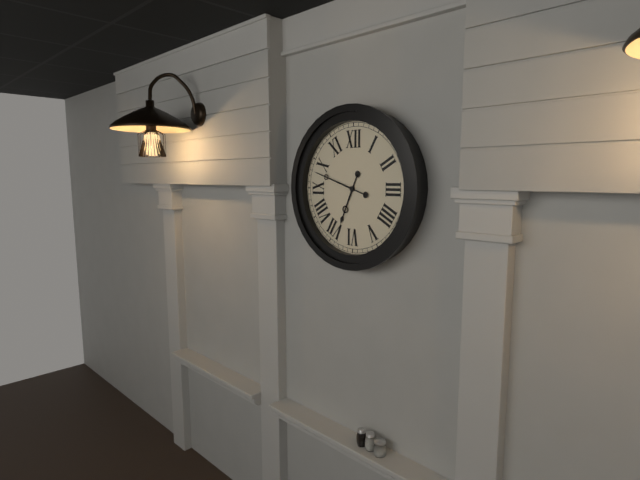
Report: 6:48
